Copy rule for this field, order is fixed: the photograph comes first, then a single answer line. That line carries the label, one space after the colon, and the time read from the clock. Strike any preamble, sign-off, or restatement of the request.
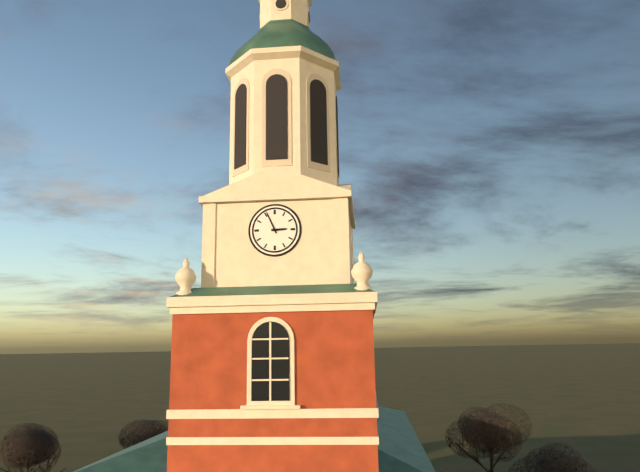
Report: 2:56
